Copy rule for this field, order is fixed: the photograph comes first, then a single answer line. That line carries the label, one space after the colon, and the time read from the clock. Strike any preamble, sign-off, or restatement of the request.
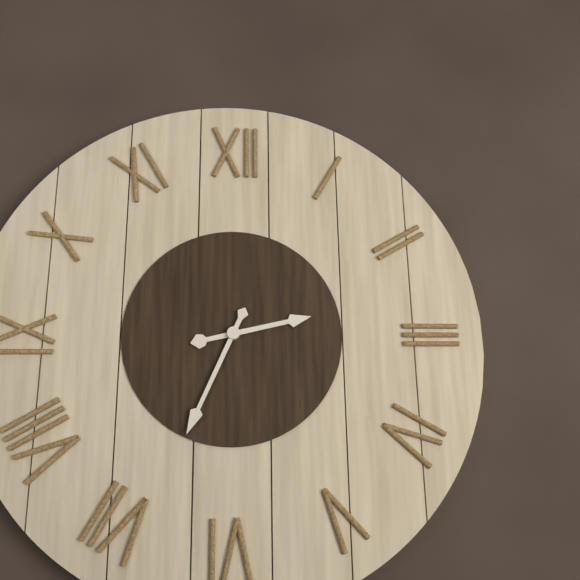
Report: 2:34
